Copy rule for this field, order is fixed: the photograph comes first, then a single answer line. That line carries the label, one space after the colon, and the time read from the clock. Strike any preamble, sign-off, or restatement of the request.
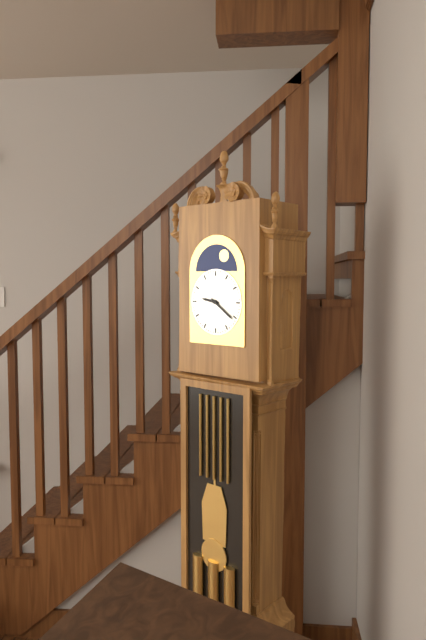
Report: 9:21
